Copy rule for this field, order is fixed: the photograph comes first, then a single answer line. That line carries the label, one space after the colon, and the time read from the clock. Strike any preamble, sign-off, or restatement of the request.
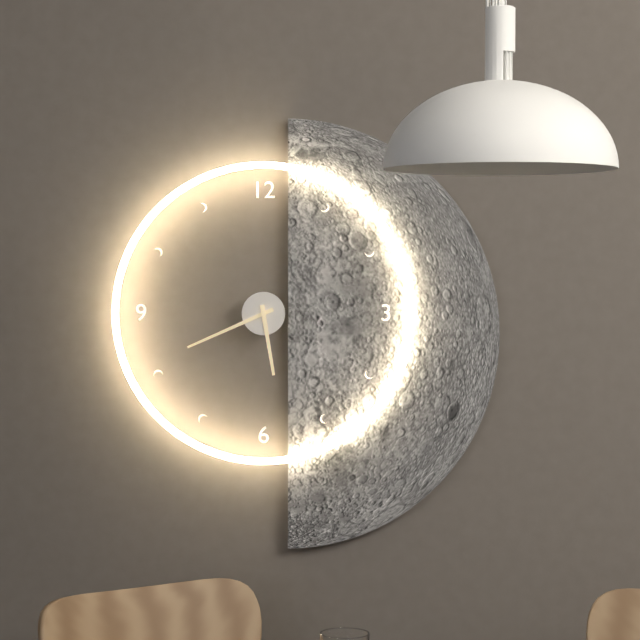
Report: 5:41
